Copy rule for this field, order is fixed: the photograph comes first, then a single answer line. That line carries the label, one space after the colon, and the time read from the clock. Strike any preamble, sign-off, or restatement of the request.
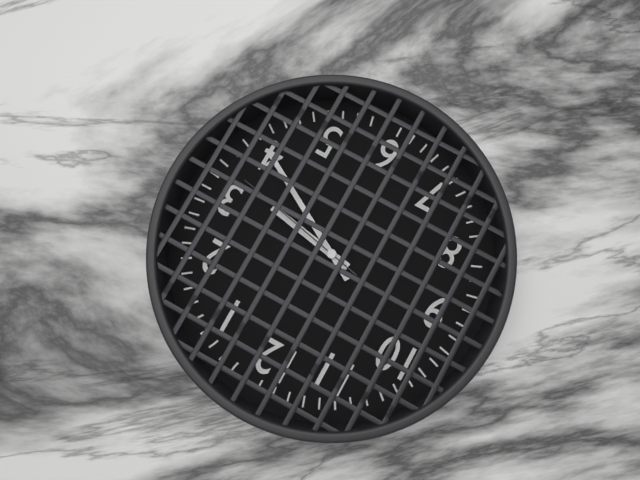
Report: 3:20:17
